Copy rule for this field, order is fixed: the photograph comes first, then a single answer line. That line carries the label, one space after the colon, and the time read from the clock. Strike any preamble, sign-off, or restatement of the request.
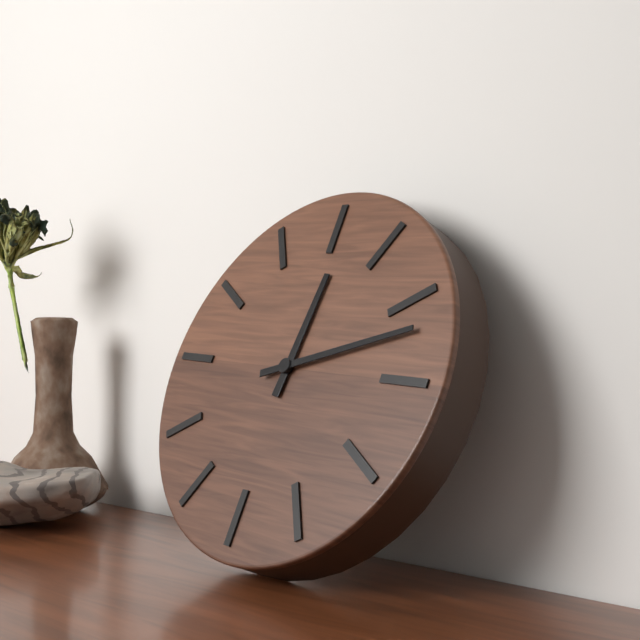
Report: 12:12
